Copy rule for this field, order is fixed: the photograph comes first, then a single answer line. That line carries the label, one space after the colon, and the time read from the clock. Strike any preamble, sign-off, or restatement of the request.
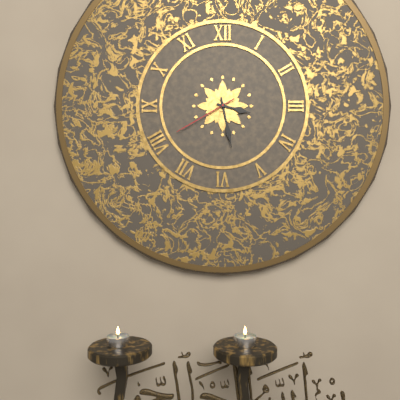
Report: 3:28:40
